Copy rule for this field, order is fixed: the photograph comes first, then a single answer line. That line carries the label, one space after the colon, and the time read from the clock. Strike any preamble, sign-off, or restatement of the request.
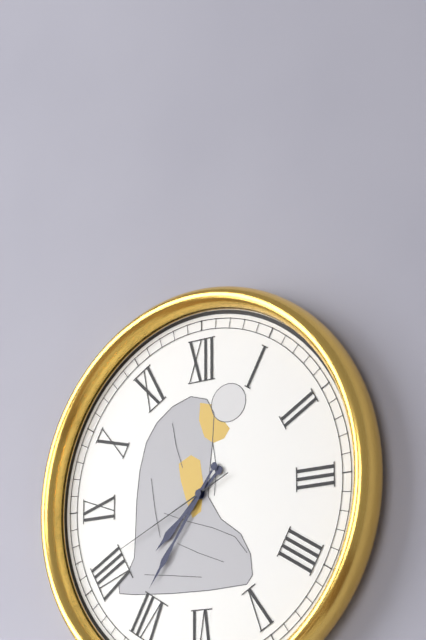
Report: 7:36:41
